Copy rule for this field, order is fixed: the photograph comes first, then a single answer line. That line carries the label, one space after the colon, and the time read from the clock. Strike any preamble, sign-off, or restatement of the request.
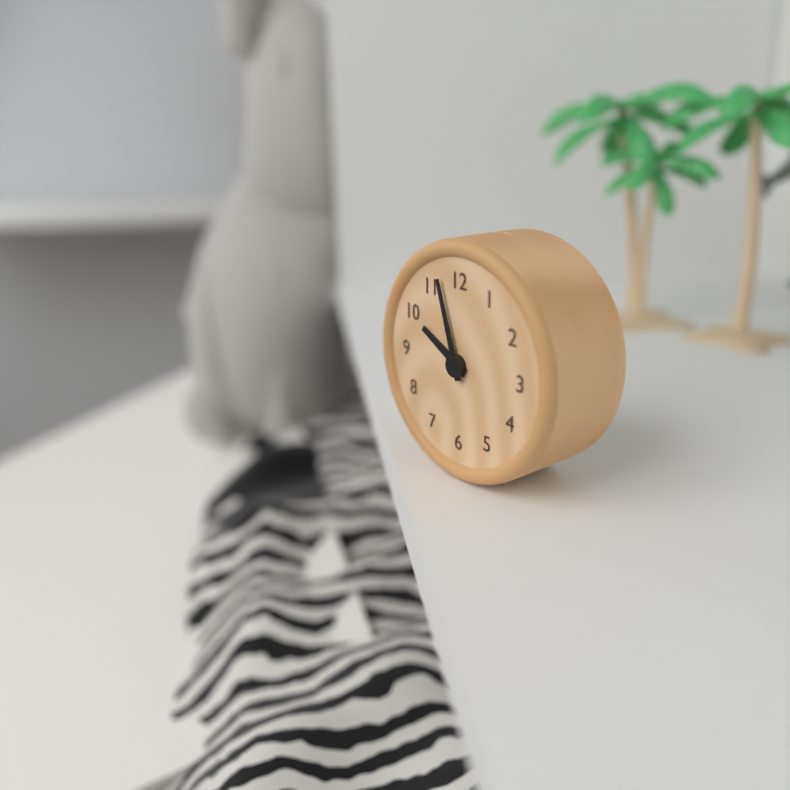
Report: 9:57
